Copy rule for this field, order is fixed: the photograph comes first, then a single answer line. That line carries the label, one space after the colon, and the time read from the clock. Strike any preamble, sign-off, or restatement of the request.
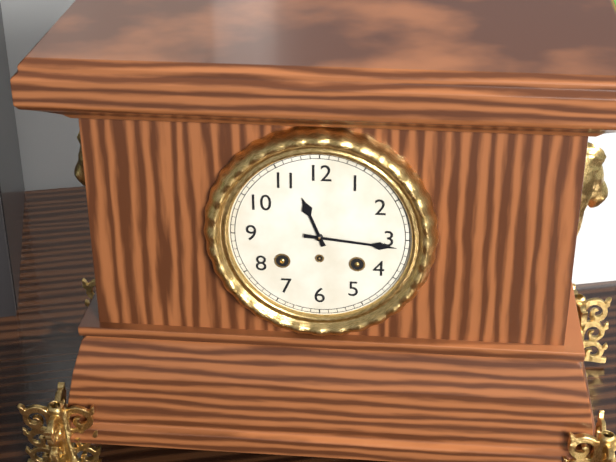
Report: 11:16
